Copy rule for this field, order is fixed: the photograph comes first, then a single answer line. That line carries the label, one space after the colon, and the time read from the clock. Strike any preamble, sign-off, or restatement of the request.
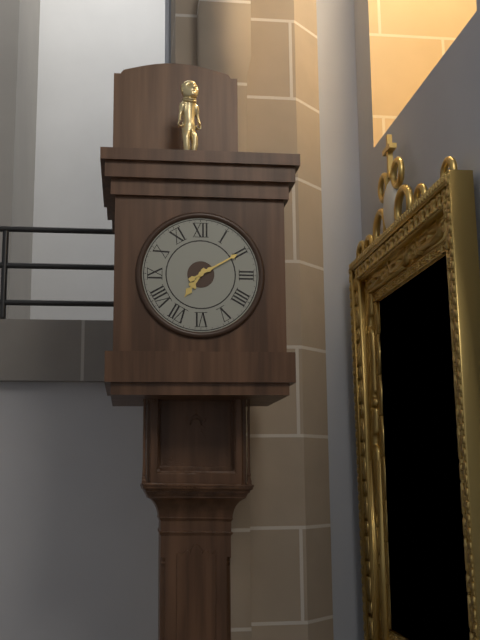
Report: 7:10
